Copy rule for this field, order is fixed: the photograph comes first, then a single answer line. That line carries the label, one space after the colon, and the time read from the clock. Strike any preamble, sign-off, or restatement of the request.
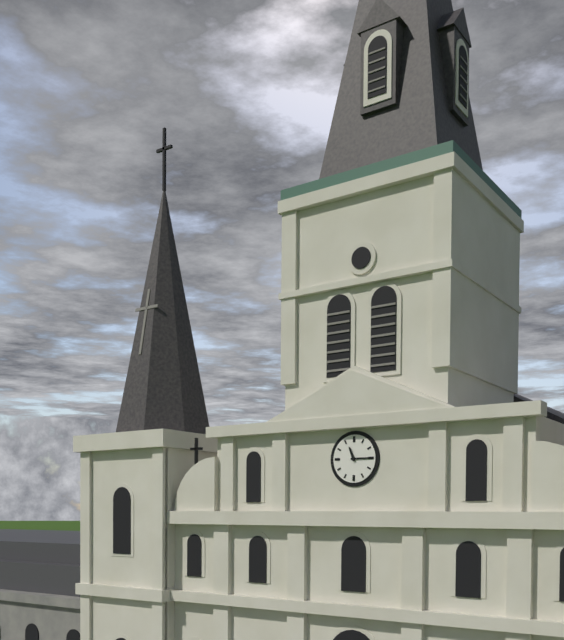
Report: 11:15
